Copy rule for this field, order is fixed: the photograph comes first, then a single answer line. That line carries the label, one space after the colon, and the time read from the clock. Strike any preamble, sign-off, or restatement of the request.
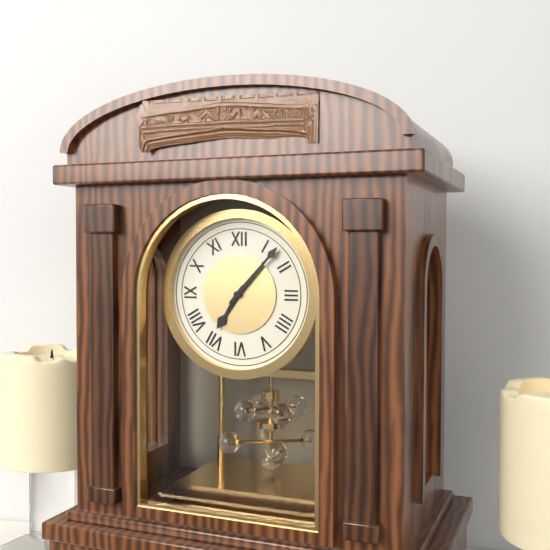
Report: 7:07
